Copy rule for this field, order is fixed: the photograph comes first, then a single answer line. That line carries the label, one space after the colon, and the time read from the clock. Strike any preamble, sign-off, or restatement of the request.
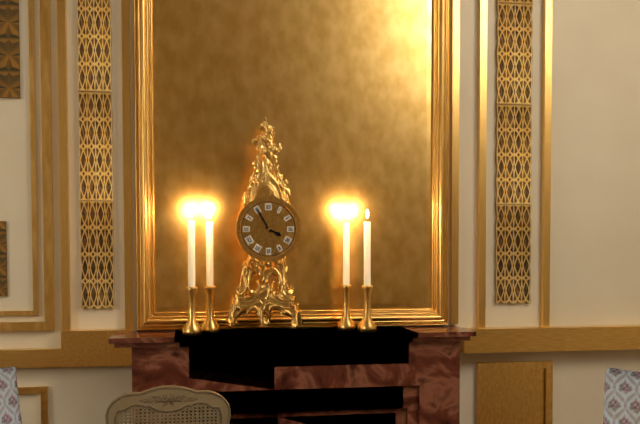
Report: 3:55
